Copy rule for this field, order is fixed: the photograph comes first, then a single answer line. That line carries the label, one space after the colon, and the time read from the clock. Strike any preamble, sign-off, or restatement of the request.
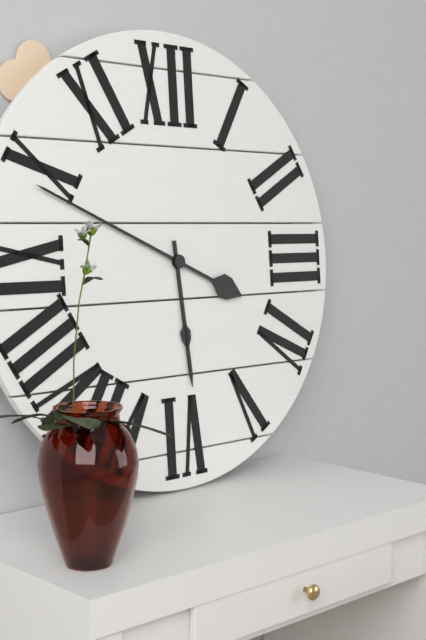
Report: 5:49
